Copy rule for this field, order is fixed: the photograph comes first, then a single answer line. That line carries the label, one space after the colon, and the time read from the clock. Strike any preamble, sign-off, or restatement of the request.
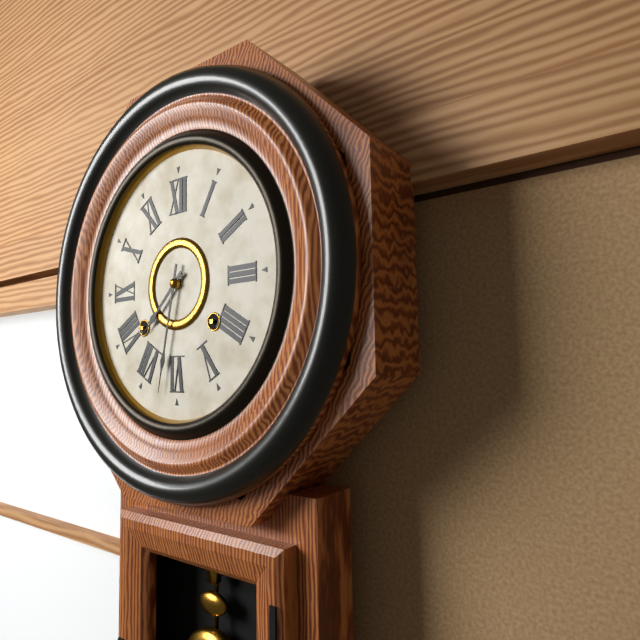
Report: 7:32
